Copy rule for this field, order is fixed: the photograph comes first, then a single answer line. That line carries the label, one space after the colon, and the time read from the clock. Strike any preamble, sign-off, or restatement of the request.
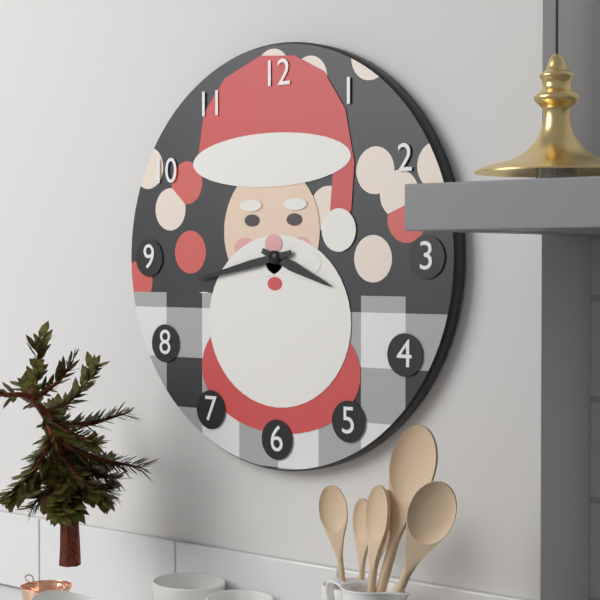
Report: 3:43
